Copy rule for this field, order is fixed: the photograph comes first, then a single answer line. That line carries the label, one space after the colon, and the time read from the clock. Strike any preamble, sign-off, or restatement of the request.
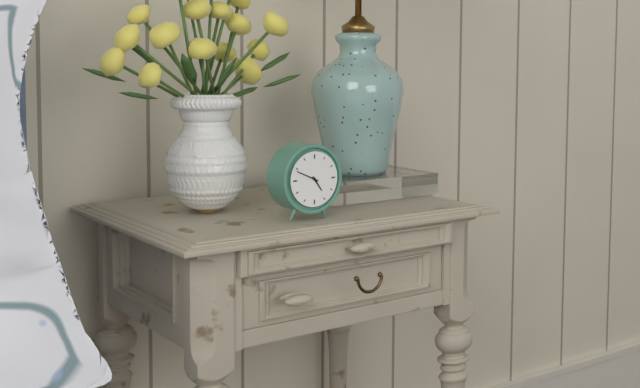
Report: 4:49
